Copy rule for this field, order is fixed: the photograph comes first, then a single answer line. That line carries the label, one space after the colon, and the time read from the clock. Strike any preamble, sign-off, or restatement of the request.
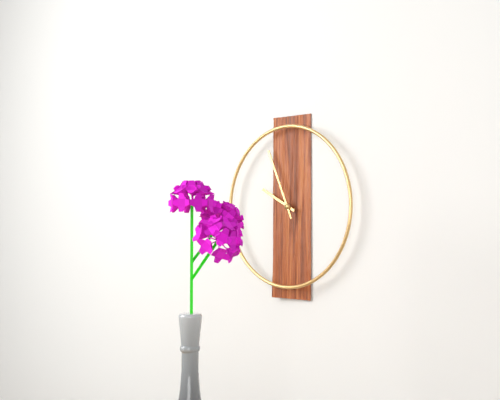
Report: 9:56
